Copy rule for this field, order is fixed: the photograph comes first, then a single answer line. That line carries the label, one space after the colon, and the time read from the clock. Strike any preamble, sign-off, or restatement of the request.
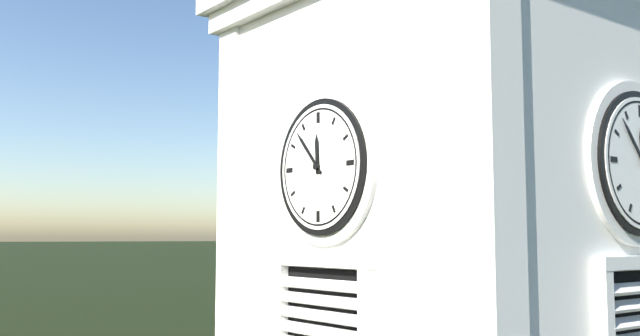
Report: 11:53
